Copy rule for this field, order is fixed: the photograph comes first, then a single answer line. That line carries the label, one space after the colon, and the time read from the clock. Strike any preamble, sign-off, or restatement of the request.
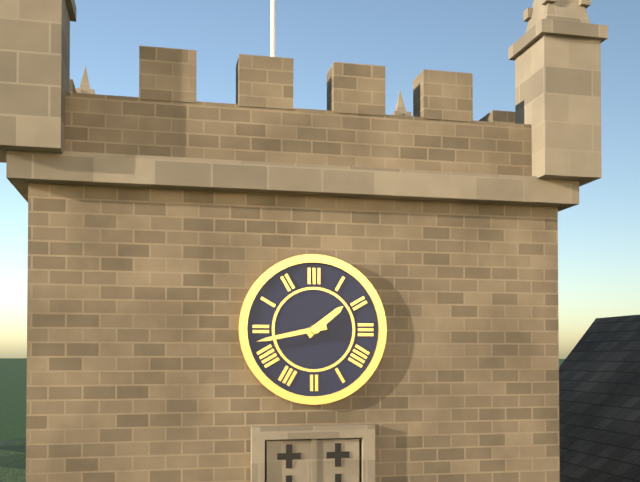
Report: 1:43
